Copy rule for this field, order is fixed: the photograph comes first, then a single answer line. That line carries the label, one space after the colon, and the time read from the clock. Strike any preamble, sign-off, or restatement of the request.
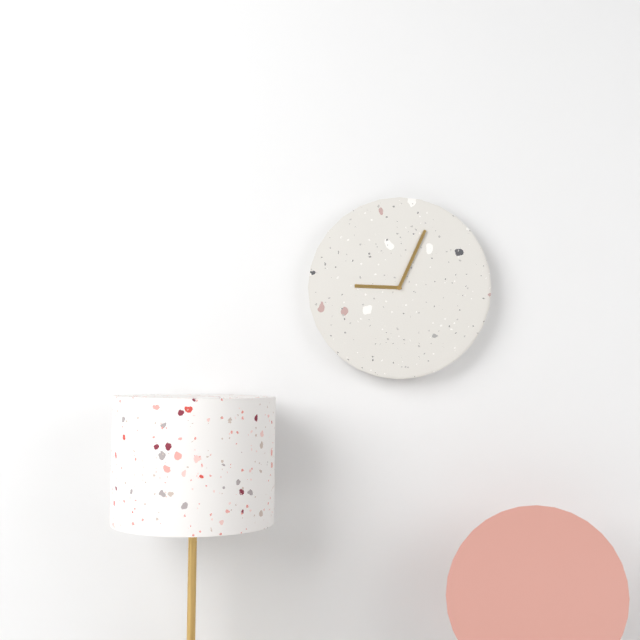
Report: 9:04
